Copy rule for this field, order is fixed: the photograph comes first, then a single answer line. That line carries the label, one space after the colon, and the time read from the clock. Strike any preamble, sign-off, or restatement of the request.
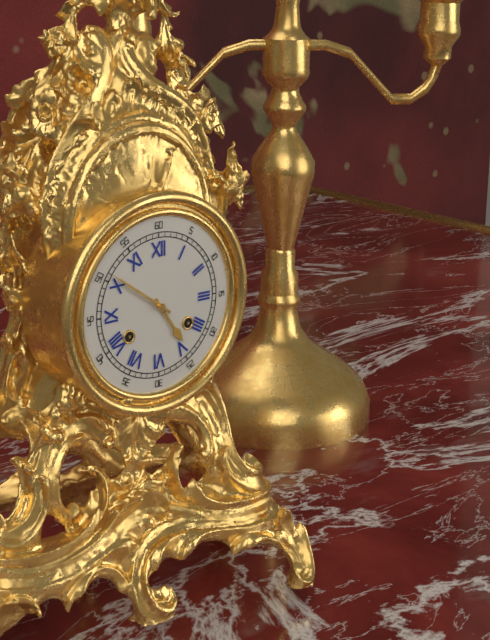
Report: 4:51
